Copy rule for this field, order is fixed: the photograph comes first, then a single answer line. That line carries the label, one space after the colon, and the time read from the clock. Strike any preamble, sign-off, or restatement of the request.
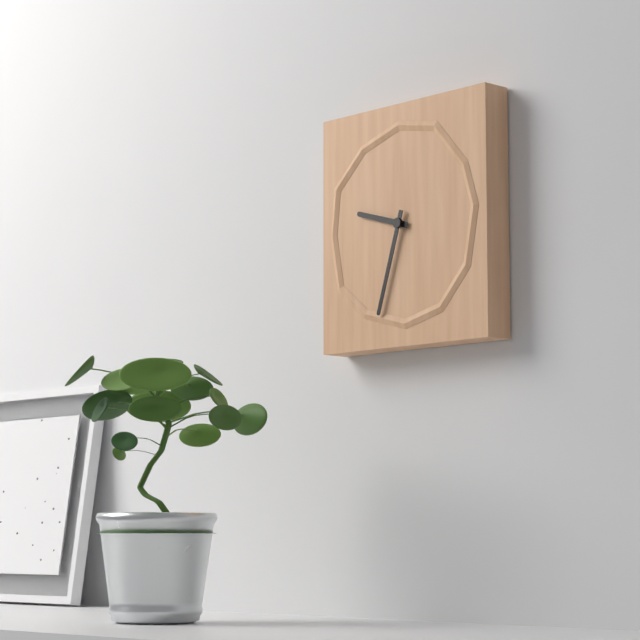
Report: 9:33
